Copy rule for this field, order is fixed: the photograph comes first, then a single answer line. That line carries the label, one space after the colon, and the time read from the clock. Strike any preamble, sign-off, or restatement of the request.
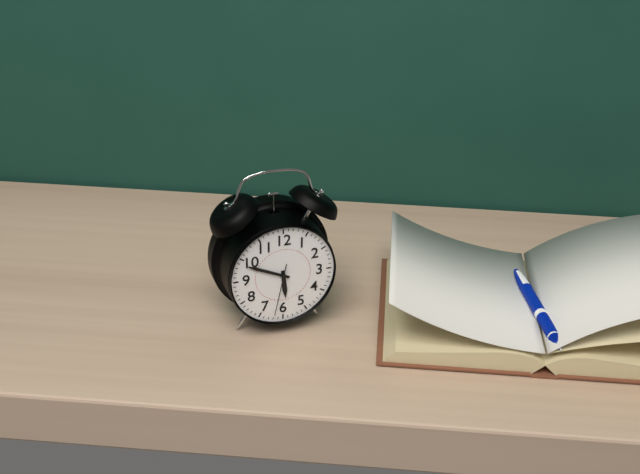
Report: 5:49:32
